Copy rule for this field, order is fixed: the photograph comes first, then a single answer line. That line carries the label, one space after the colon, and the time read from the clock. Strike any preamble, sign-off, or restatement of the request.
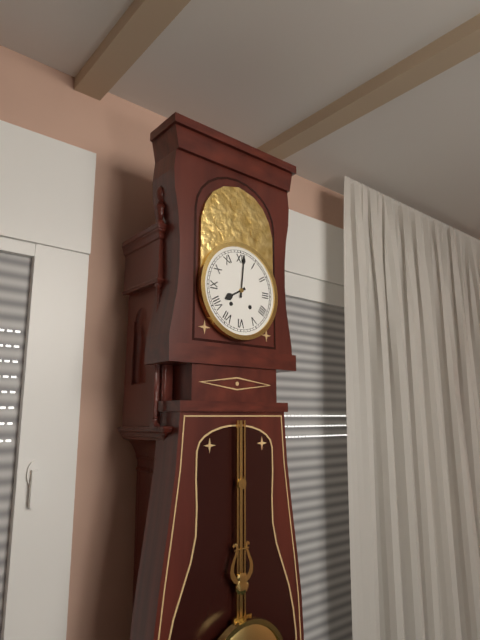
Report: 8:01
